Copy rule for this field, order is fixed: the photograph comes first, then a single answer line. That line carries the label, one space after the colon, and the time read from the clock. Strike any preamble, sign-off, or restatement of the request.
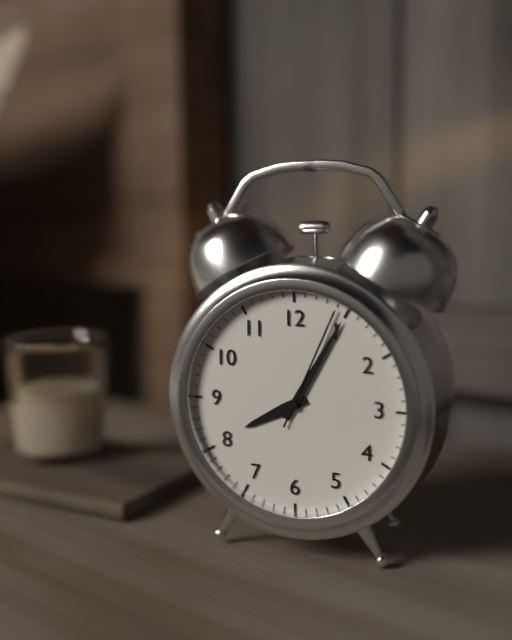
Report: 8:05:04
